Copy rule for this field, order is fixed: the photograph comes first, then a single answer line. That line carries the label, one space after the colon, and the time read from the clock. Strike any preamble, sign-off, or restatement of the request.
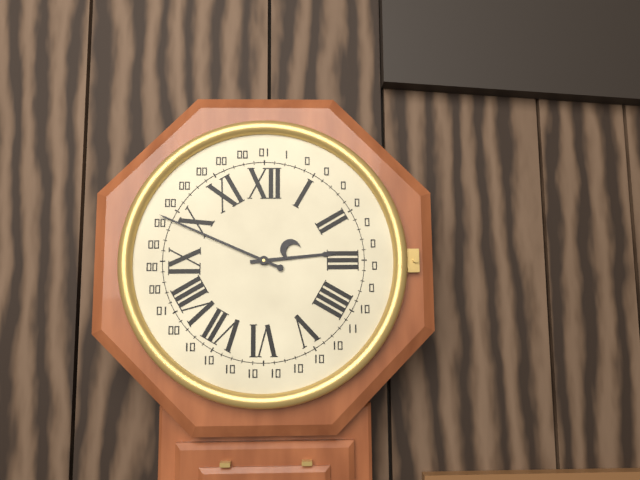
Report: 2:49
